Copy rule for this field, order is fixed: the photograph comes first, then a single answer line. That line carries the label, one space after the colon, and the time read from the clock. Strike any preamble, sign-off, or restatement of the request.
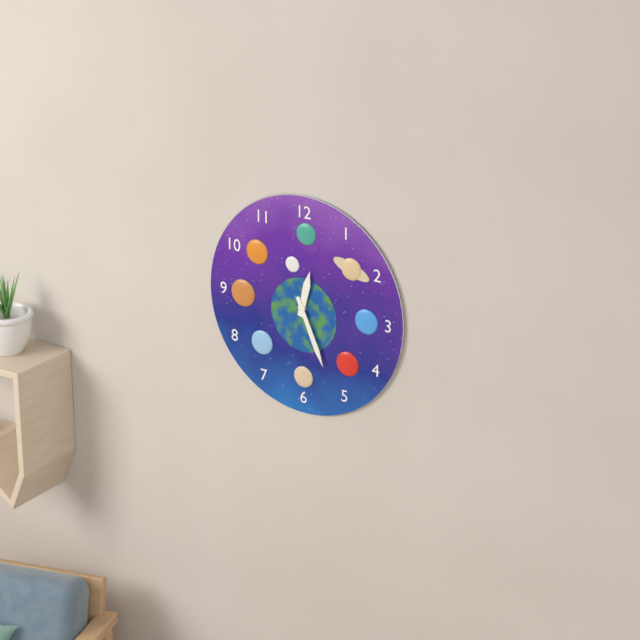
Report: 12:26
